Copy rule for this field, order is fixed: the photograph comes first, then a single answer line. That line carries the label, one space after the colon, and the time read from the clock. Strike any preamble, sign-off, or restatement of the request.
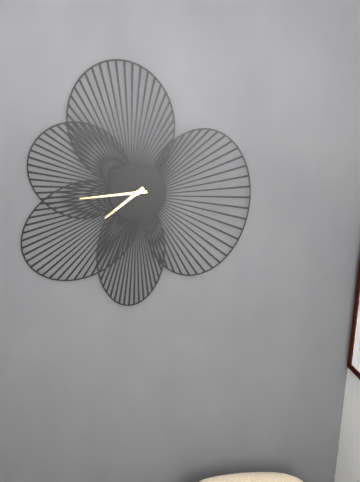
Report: 7:44
